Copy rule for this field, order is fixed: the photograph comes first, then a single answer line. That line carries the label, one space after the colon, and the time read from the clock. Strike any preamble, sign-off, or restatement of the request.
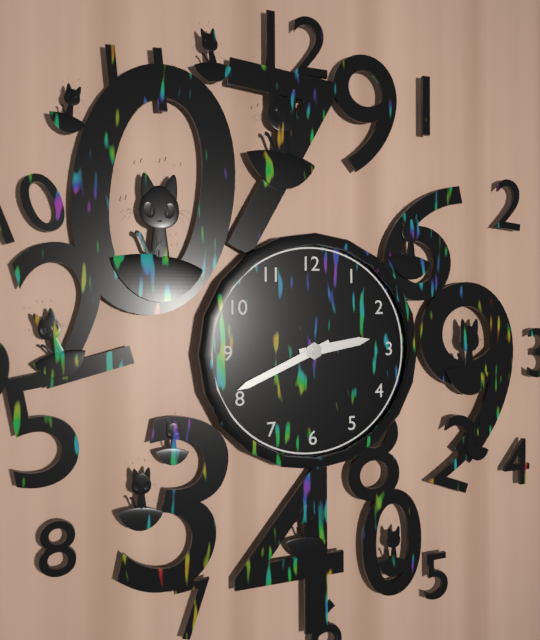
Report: 2:41
